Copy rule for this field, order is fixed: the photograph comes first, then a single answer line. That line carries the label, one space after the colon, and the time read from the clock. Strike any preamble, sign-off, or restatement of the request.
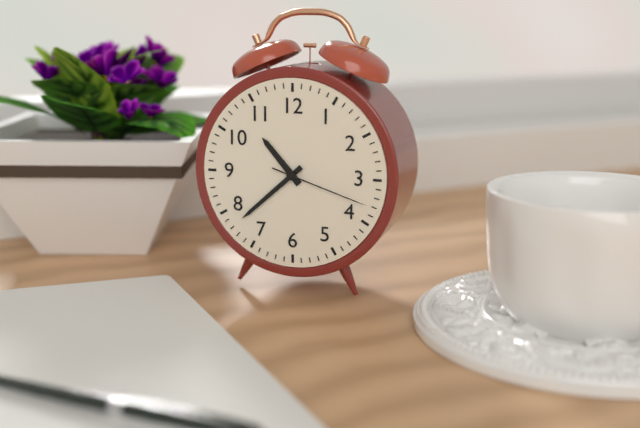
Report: 10:38:18
